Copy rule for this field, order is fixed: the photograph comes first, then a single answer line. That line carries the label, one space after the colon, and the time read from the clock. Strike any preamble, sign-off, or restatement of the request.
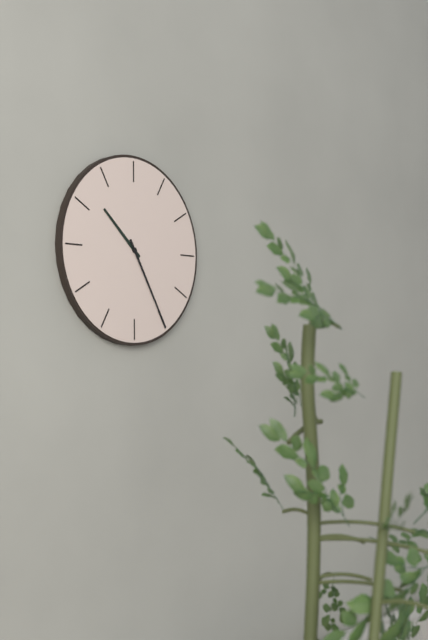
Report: 10:25
